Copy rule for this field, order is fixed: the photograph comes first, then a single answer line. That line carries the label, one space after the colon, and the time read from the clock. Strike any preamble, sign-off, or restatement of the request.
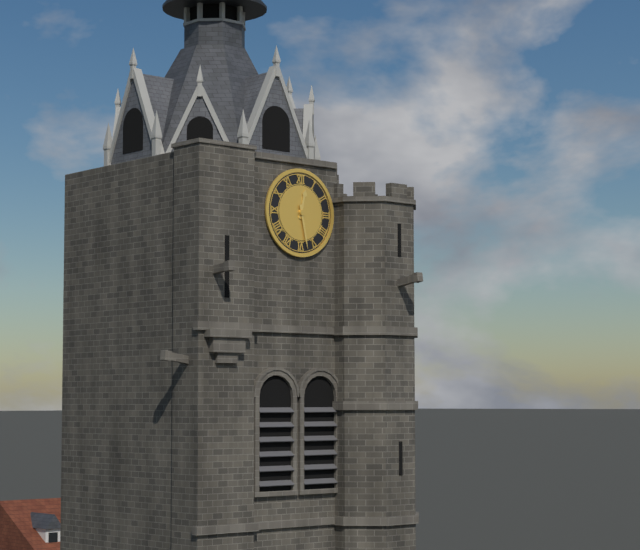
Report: 12:28
